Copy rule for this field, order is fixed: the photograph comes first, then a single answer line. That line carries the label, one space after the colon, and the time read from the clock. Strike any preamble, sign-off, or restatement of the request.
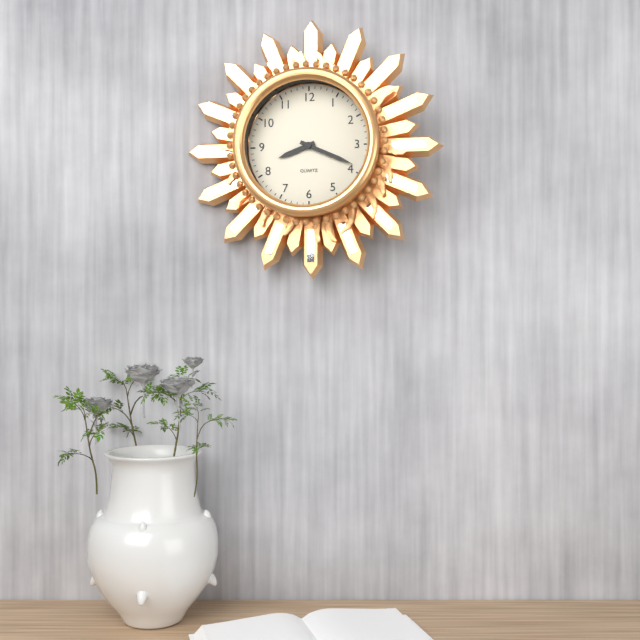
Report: 8:19
